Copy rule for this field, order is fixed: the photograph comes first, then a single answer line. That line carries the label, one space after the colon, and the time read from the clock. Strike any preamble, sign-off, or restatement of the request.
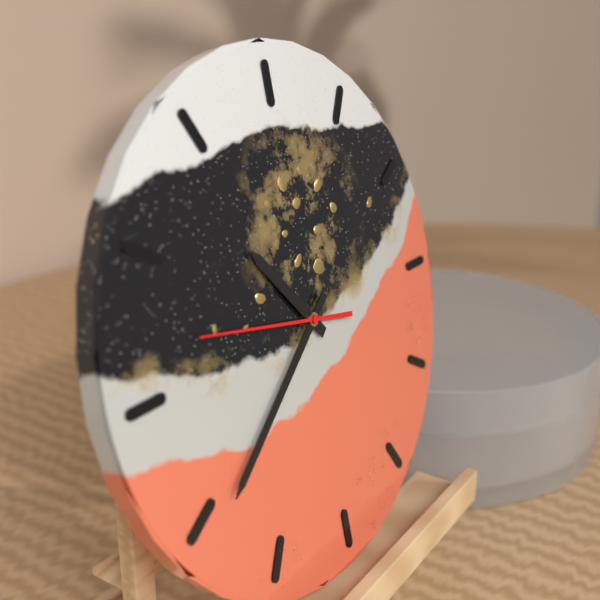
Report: 10:39:47
